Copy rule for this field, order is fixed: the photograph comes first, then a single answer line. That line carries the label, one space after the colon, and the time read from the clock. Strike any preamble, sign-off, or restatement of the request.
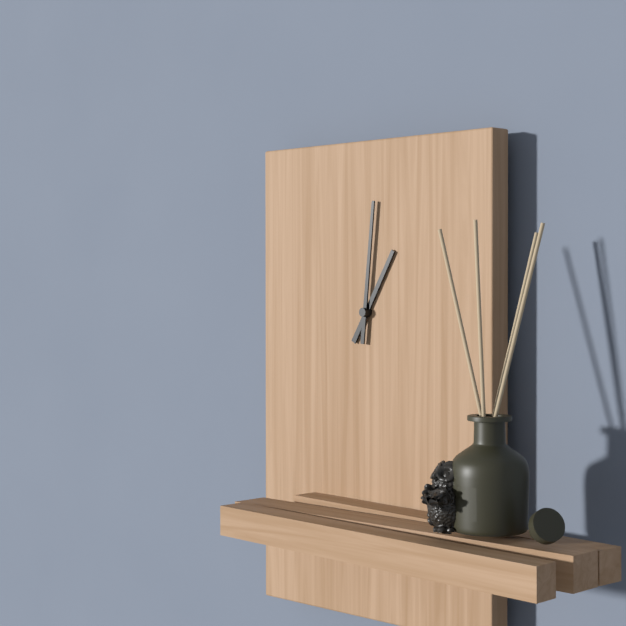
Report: 1:01
